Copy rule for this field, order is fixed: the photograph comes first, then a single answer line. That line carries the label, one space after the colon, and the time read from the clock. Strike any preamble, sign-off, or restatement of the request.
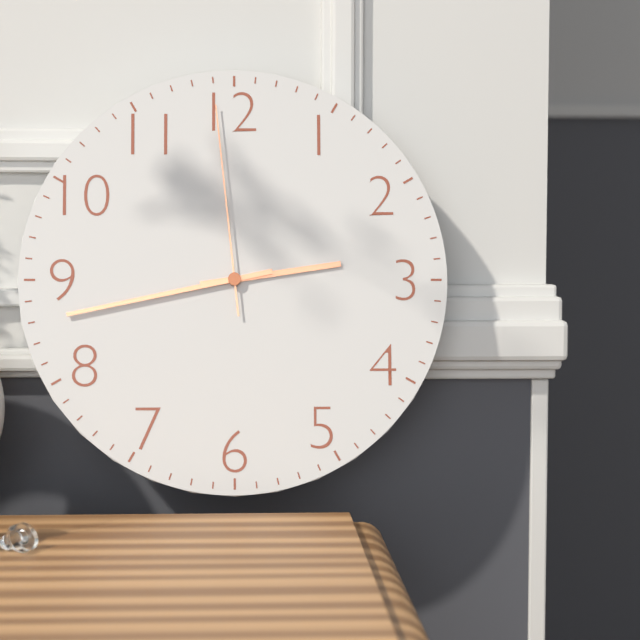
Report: 2:43:59
